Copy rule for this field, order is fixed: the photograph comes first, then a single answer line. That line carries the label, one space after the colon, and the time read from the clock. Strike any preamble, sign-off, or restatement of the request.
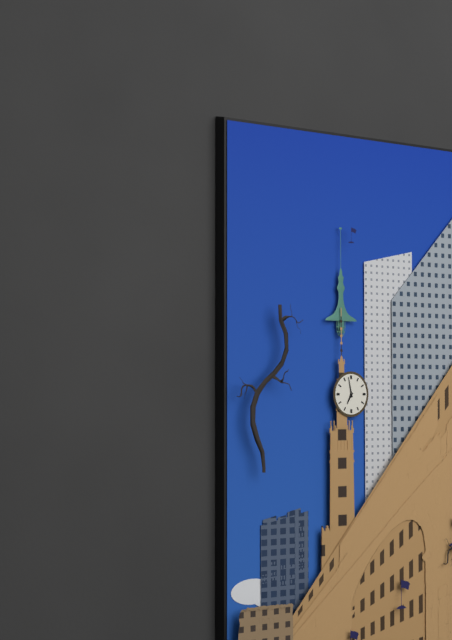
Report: 6:58
